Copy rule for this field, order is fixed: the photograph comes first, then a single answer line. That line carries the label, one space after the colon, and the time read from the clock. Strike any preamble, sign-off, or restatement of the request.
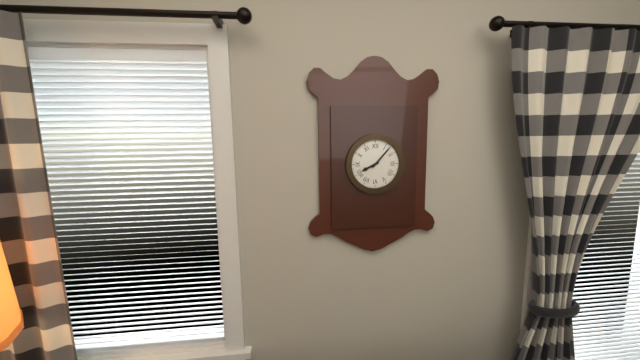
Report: 8:07
